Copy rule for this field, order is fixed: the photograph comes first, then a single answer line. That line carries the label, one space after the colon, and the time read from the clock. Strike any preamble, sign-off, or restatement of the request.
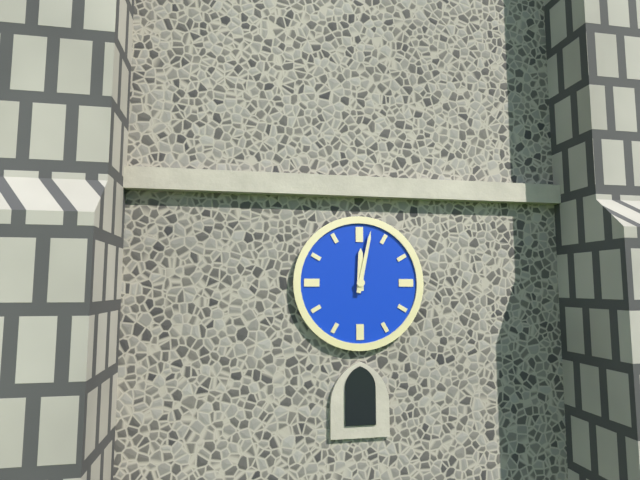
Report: 12:02
